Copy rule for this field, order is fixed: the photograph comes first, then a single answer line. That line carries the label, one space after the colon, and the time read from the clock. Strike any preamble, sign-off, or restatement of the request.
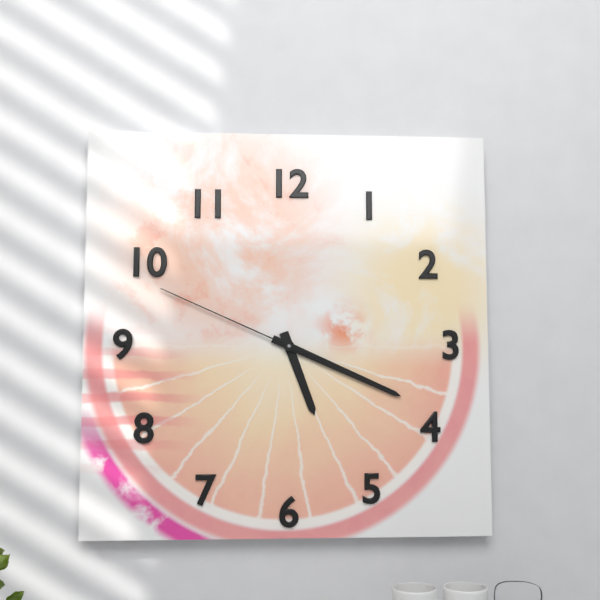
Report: 5:19:49
